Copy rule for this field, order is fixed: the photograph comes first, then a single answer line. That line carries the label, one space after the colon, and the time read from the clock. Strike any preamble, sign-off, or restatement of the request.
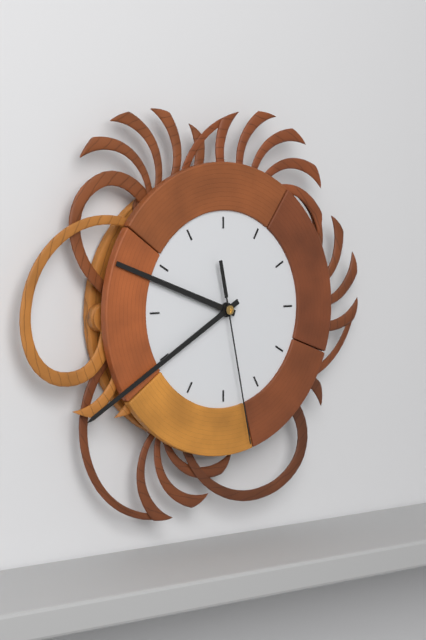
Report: 9:40:28
